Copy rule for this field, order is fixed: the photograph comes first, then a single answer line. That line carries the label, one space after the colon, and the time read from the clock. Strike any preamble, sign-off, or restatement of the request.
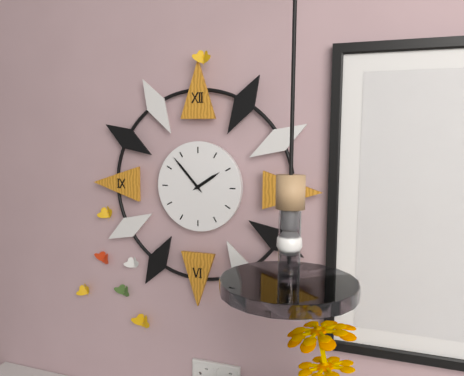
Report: 1:53
